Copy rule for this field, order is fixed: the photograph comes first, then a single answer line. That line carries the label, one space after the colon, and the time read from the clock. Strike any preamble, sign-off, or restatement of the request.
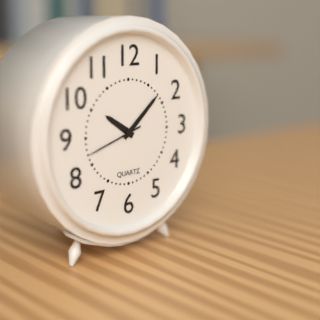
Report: 10:08:42
